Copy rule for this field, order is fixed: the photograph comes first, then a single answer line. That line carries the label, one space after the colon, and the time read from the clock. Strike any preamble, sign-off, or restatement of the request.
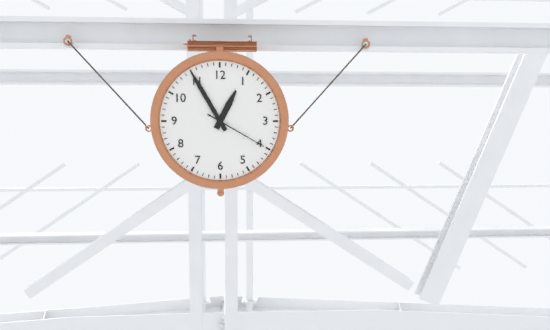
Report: 12:55:20
